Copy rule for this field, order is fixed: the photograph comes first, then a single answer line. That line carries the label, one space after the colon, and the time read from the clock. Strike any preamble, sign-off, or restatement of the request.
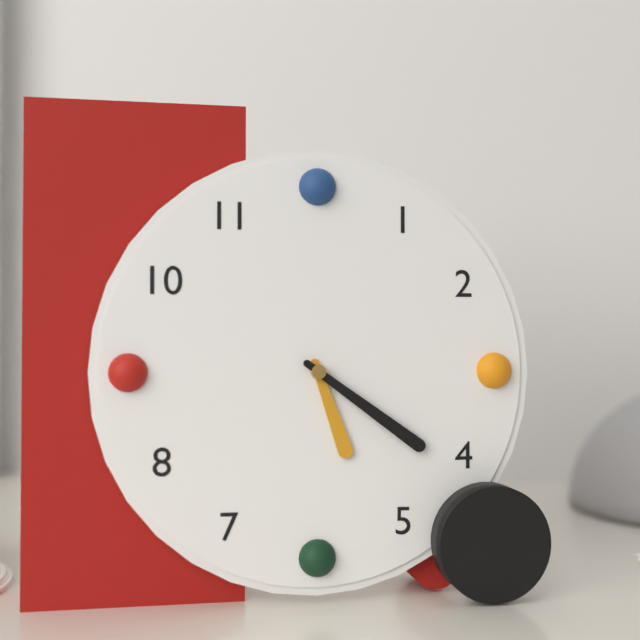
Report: 5:21
